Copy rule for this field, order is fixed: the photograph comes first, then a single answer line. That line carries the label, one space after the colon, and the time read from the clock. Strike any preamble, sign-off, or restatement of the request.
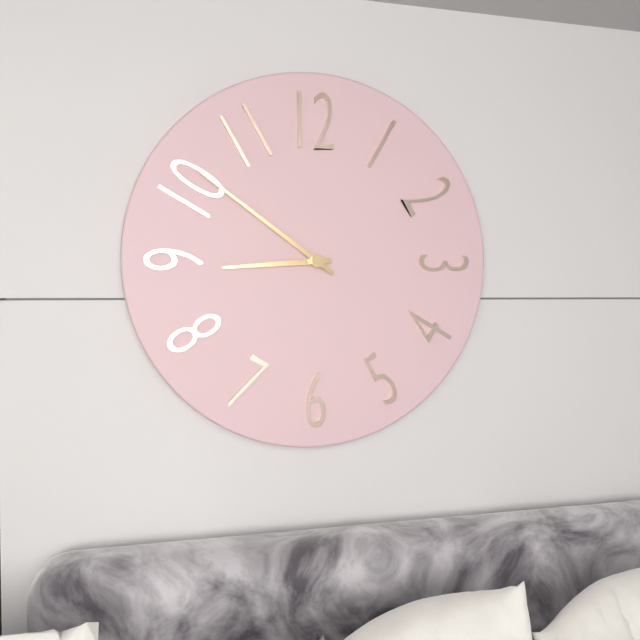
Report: 8:51
